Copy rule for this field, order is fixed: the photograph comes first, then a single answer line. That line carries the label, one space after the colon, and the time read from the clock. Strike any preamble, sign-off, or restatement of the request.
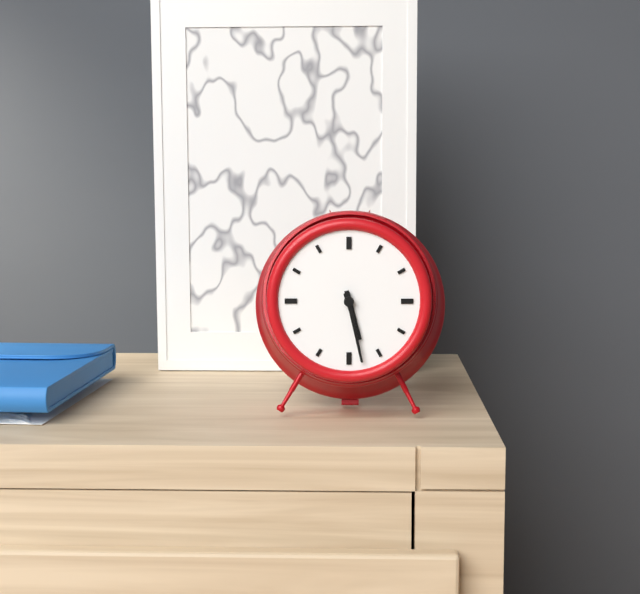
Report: 5:28
